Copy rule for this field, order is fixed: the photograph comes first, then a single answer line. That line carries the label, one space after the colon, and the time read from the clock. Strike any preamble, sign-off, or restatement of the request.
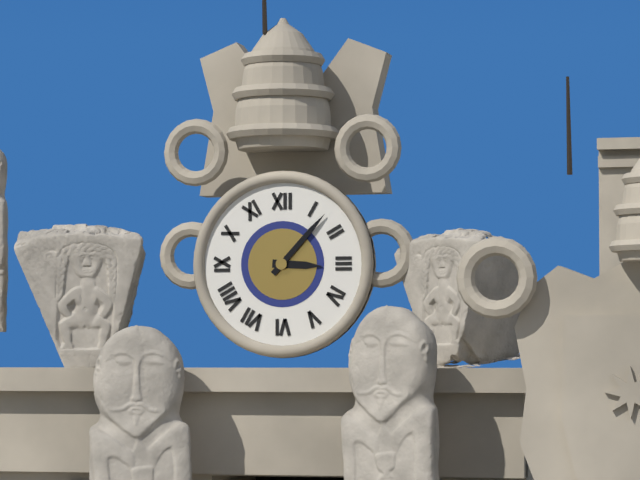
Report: 3:07
